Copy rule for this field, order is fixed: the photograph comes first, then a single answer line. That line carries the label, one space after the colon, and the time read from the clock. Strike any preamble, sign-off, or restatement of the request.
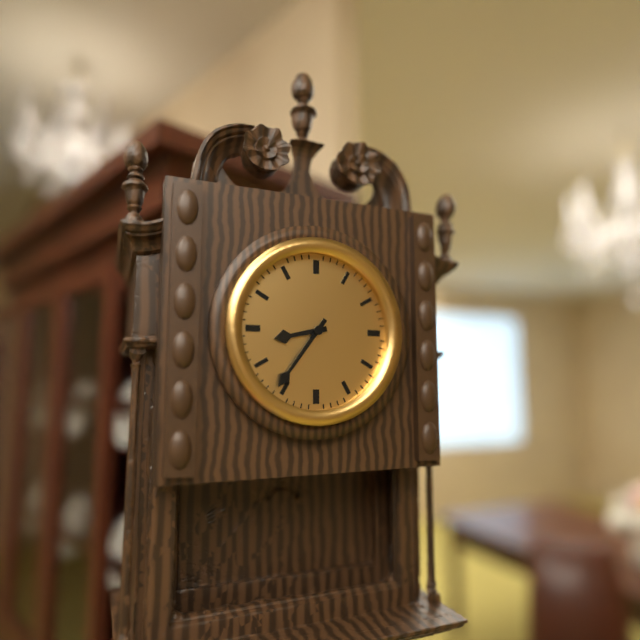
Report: 8:36
